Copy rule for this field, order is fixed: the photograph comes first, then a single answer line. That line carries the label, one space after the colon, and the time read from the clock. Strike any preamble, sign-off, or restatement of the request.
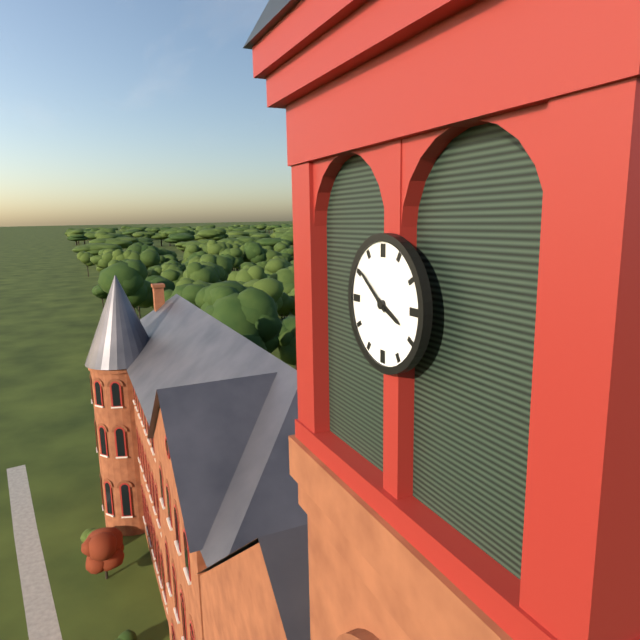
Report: 3:51
